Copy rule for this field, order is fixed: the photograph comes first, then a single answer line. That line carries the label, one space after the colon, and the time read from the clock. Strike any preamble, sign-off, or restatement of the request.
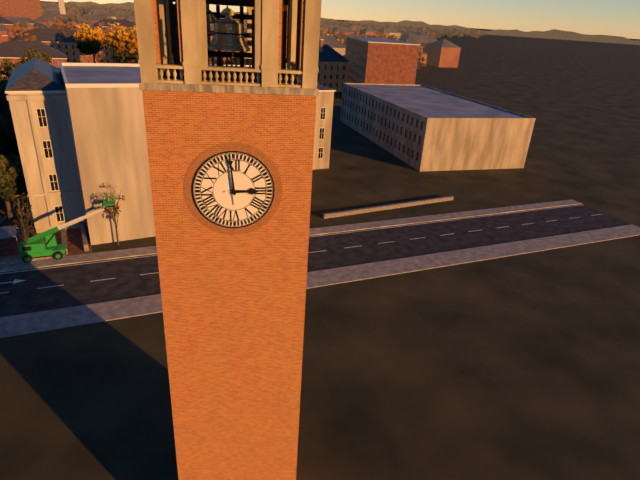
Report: 2:59
